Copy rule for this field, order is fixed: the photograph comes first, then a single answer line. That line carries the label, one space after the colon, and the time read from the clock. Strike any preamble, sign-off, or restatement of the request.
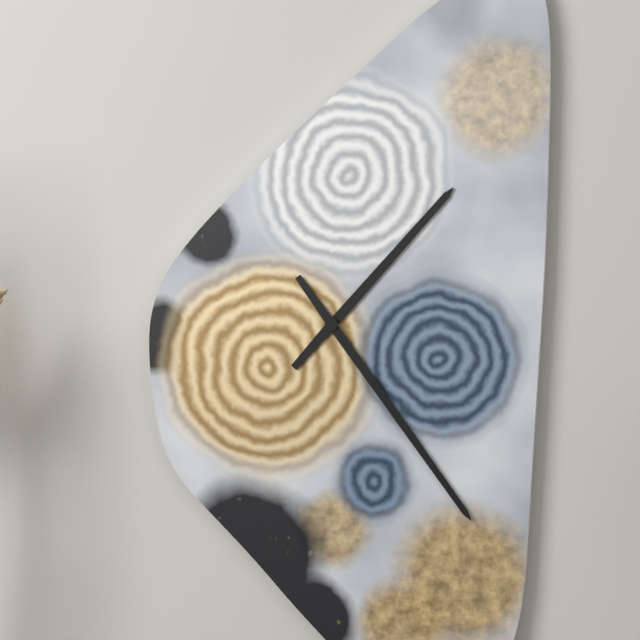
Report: 1:24
